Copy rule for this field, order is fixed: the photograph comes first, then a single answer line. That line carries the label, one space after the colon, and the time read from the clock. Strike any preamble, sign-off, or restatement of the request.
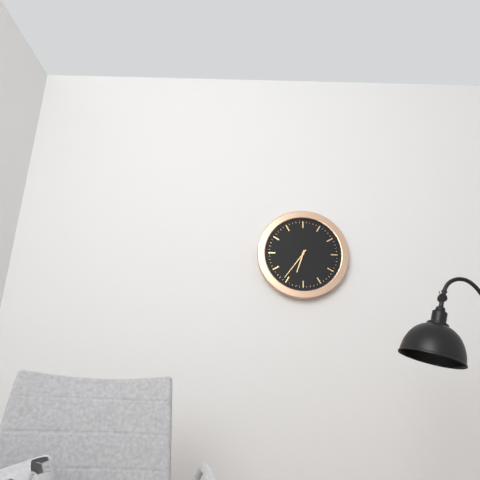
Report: 6:36
